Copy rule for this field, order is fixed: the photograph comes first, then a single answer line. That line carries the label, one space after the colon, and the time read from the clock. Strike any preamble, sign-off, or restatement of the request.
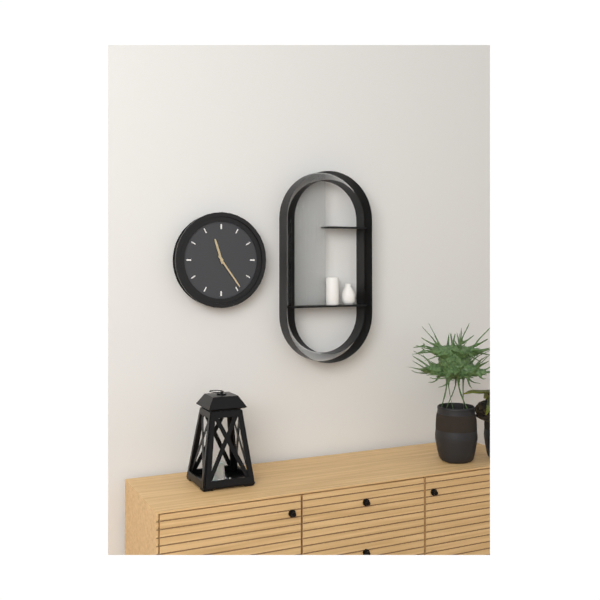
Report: 11:24
